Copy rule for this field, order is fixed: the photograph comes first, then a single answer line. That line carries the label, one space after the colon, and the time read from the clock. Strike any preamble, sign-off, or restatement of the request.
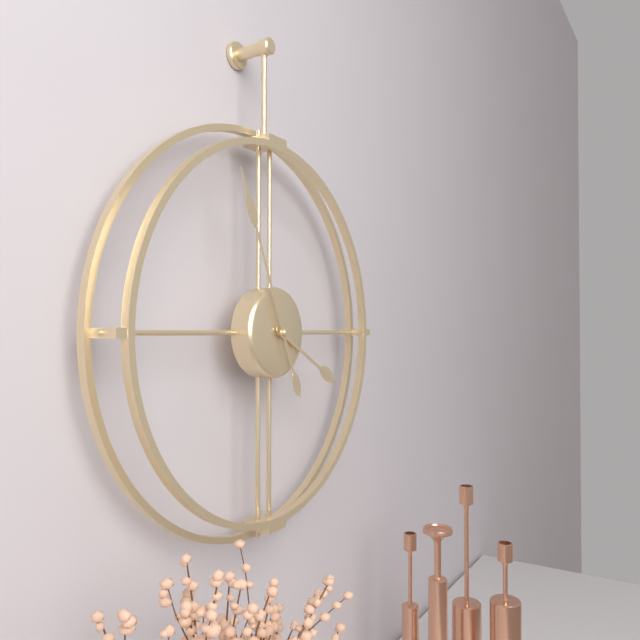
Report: 3:56
